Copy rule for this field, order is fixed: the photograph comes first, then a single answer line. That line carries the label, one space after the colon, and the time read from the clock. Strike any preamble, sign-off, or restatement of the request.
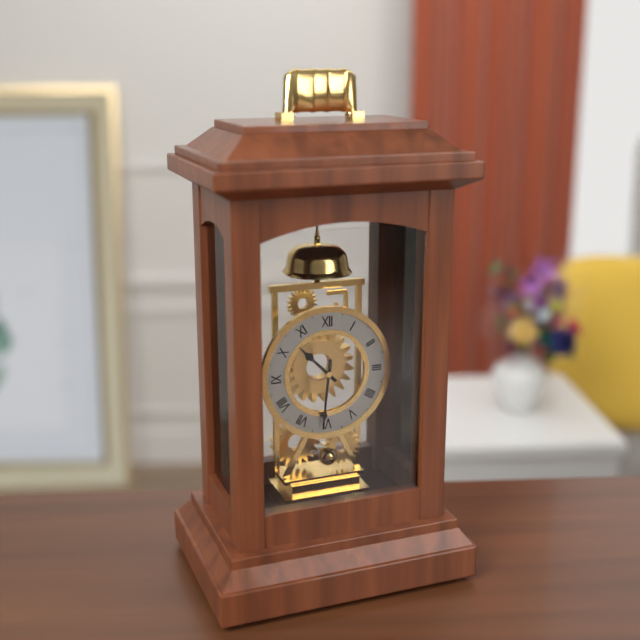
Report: 10:31
